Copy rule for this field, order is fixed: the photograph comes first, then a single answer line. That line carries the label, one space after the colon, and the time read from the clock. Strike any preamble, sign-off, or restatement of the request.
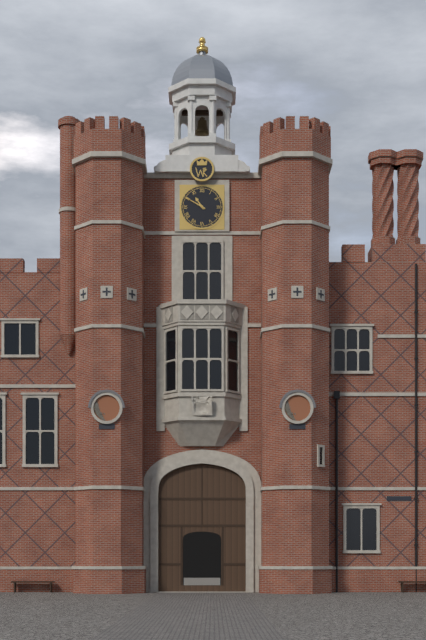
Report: 10:50
